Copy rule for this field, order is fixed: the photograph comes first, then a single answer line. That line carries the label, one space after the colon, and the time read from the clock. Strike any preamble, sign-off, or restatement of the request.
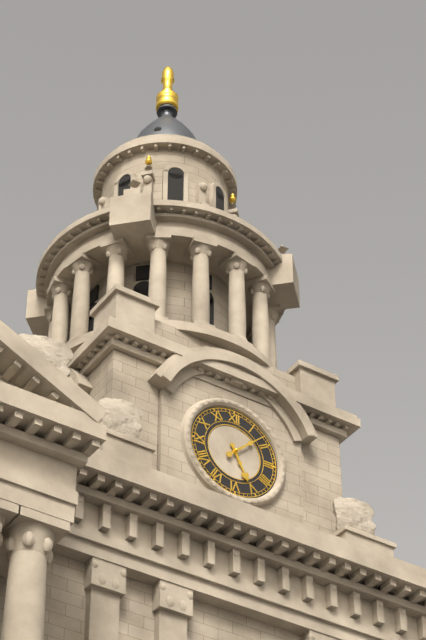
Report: 5:08
